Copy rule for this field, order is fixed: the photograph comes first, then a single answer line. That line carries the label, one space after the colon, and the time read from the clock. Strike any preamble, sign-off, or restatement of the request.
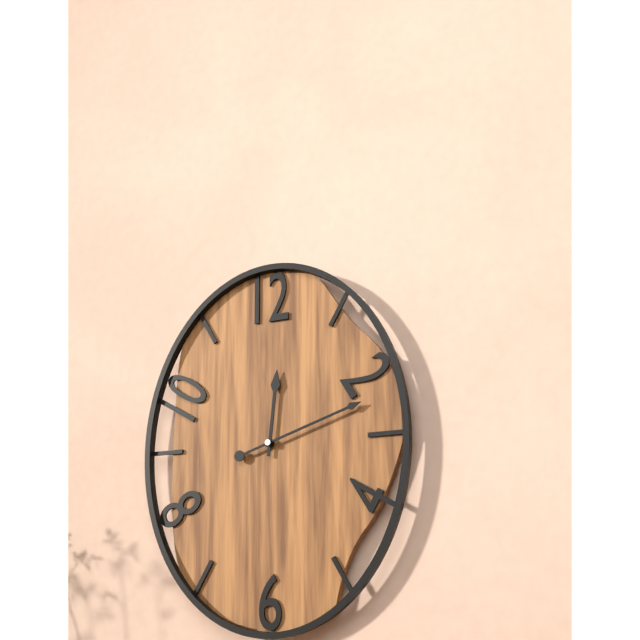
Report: 12:12
